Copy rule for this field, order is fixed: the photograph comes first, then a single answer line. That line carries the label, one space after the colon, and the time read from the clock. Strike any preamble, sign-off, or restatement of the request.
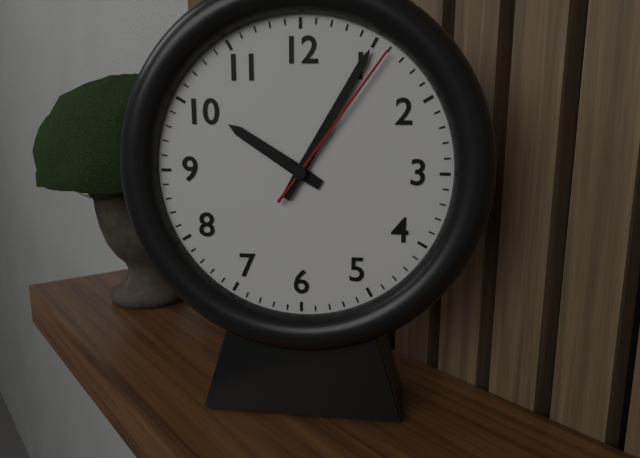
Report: 10:05:06
